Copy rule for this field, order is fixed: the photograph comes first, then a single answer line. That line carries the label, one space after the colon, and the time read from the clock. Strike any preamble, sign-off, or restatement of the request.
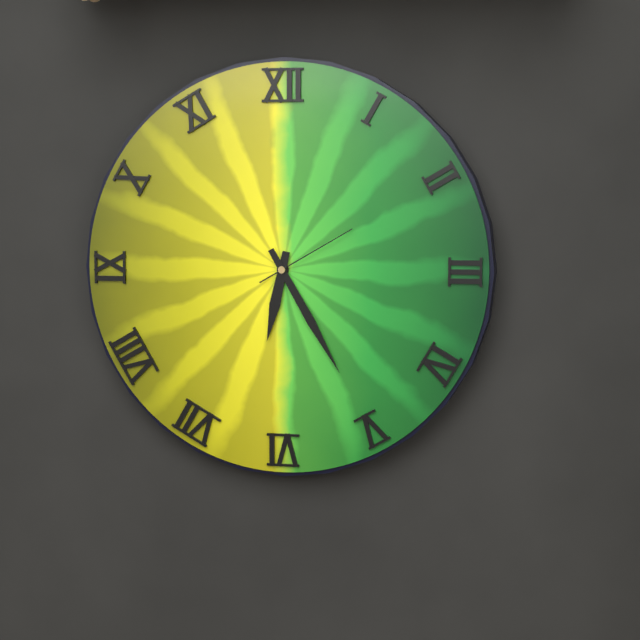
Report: 6:25:10
